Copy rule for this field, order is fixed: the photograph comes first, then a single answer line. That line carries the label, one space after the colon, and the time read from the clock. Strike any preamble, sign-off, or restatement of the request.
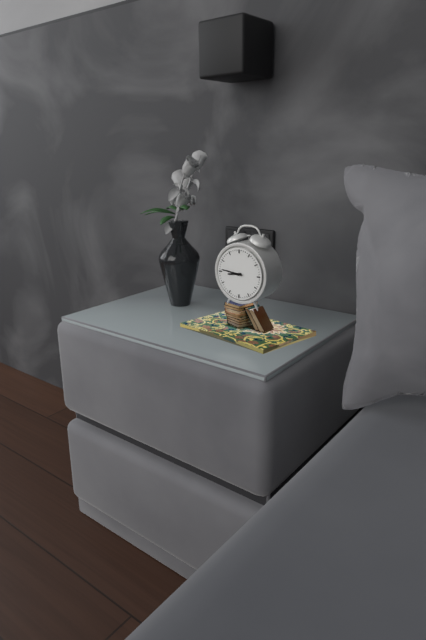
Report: 8:46
